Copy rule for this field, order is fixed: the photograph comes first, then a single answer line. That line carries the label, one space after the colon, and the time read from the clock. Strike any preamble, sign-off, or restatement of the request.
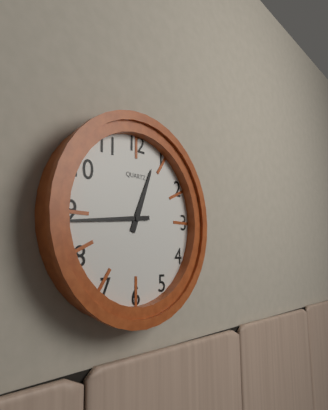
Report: 12:44
